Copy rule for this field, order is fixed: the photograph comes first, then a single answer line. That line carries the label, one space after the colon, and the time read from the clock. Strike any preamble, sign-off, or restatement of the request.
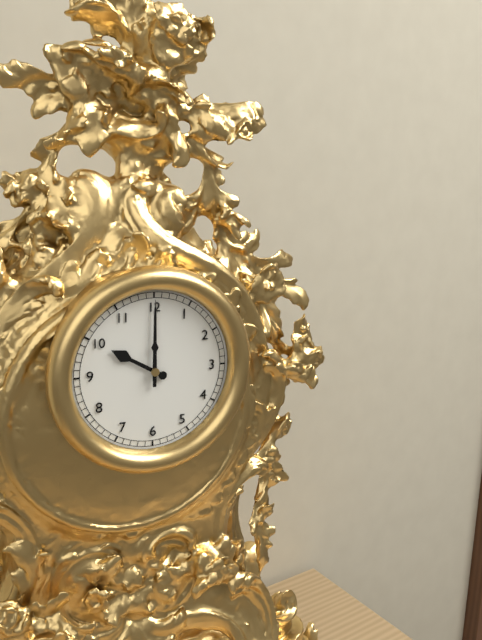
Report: 10:00
